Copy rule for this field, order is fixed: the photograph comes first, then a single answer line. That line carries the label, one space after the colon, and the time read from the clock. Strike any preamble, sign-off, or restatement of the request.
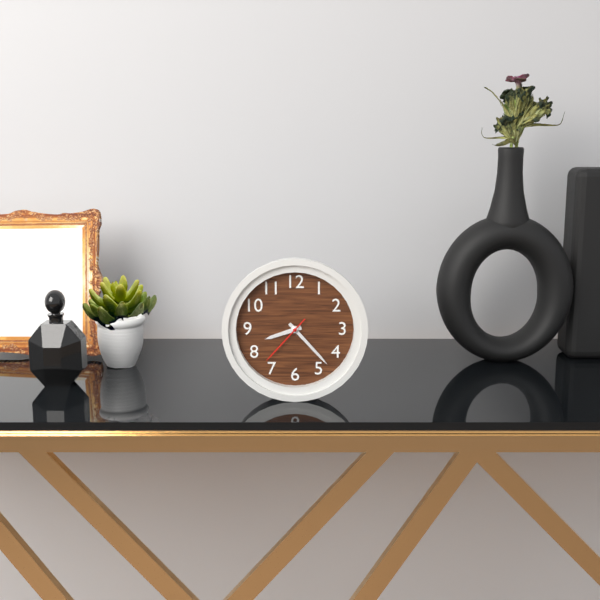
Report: 8:23:37
